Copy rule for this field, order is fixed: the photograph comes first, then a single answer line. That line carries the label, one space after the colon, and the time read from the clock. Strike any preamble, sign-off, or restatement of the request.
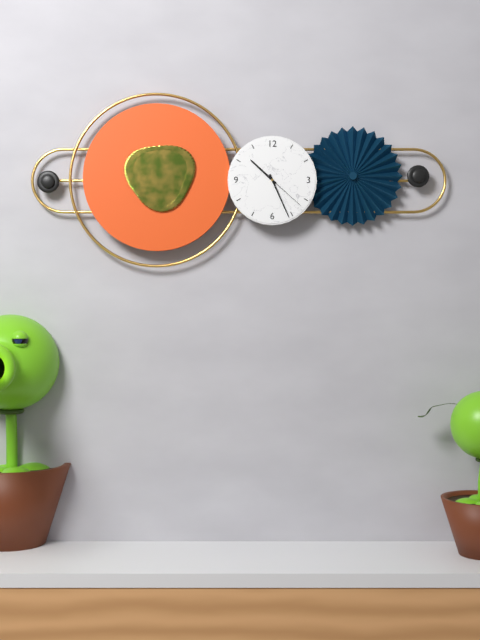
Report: 10:26
